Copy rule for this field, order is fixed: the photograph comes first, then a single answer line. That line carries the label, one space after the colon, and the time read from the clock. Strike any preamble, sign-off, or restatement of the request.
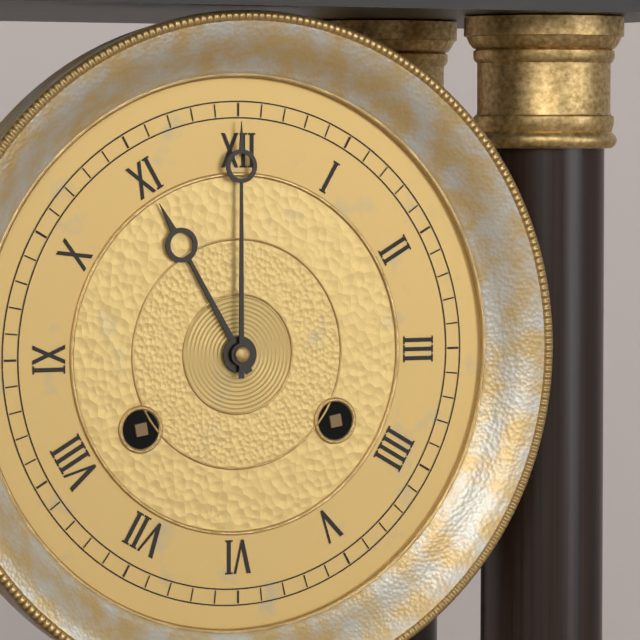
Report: 11:00
